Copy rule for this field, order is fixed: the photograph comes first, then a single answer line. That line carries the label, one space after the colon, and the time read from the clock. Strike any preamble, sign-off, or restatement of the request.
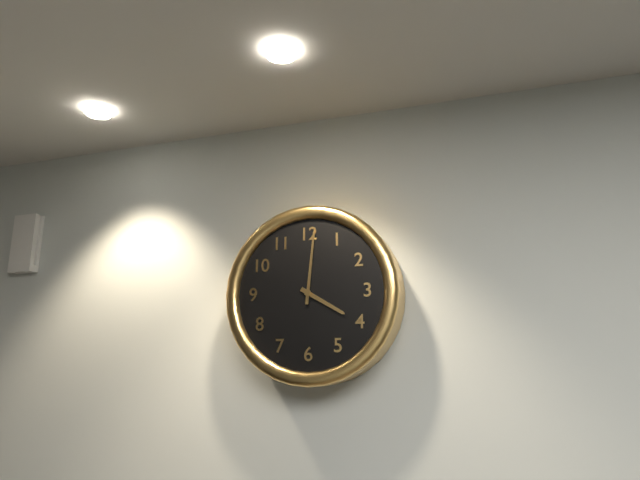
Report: 4:01
